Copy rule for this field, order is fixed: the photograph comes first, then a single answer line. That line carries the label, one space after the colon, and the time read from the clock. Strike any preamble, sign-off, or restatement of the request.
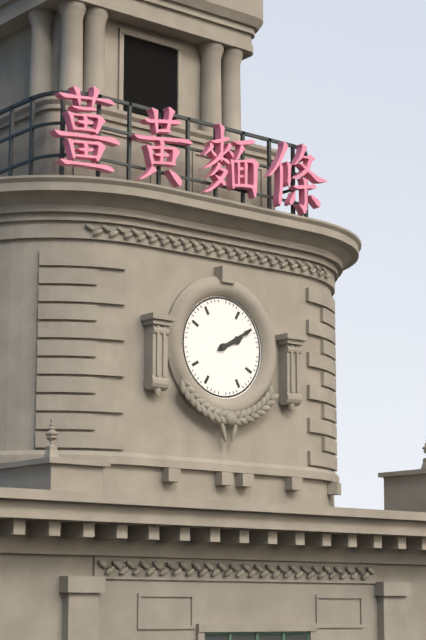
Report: 2:10
